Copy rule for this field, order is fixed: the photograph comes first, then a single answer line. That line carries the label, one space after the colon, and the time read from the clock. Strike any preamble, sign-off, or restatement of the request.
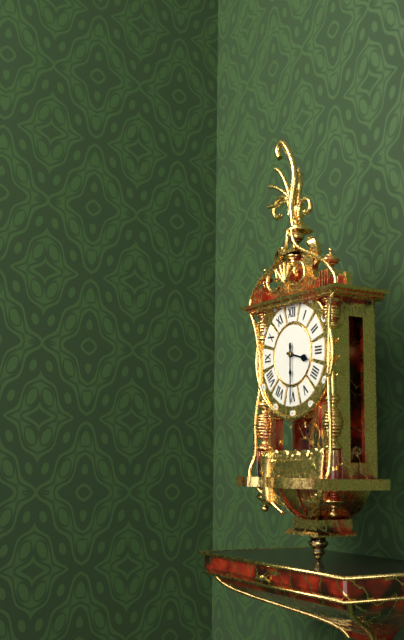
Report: 3:30
